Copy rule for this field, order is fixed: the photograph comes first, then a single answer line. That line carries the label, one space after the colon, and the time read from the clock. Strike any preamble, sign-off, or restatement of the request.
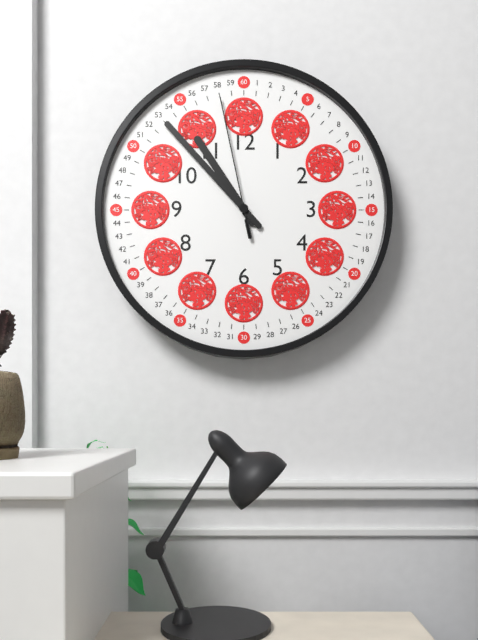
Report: 10:53:58
